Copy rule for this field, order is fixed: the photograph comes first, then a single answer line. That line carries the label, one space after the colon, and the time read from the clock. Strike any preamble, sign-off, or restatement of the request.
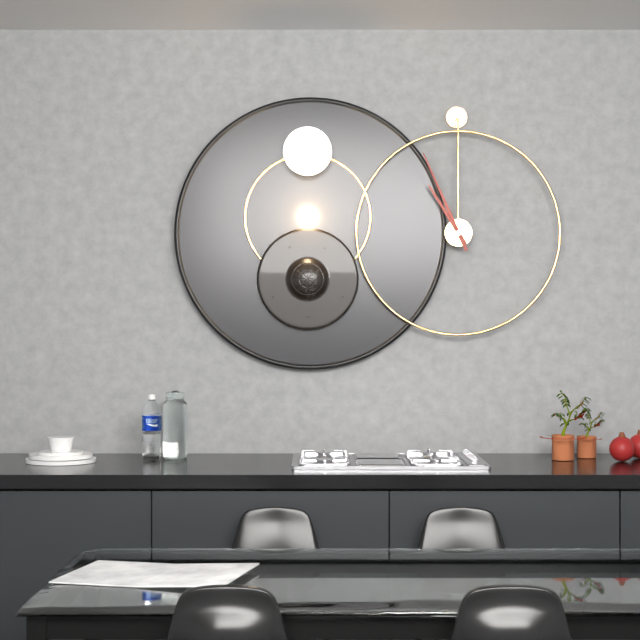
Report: 10:56
